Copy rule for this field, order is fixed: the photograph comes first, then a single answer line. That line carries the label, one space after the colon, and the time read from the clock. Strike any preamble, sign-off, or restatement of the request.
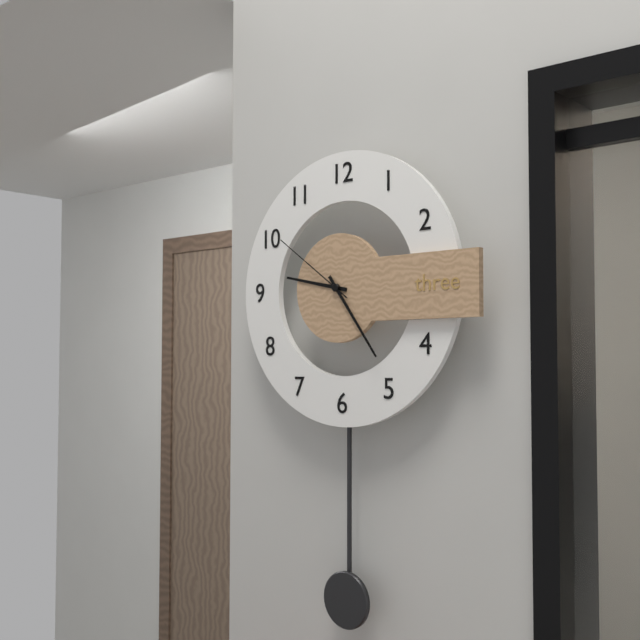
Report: 9:24:51
